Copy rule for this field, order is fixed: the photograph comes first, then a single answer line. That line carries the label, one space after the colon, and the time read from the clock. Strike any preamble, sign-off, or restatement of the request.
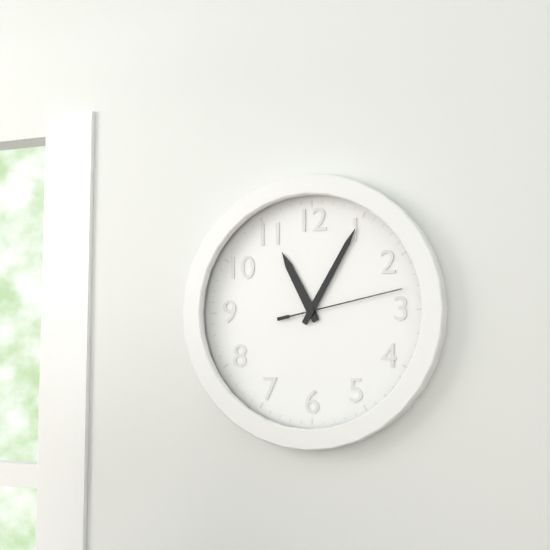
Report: 11:05:13
